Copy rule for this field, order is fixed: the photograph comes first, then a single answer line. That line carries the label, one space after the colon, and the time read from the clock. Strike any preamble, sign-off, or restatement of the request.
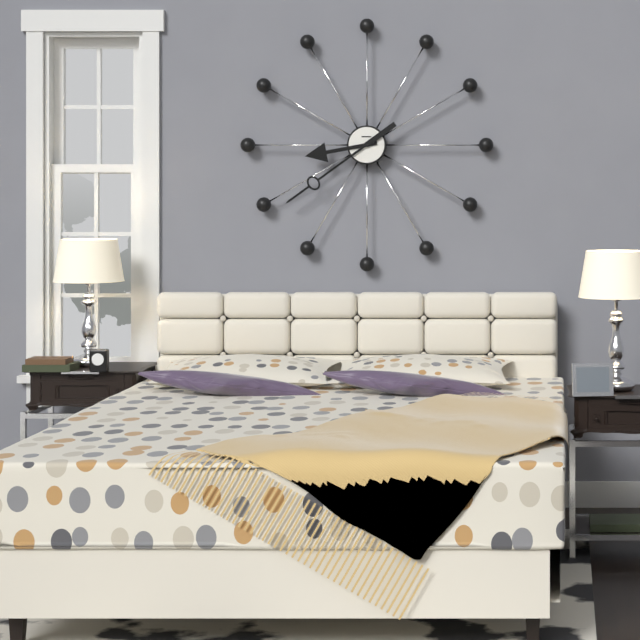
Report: 8:39
